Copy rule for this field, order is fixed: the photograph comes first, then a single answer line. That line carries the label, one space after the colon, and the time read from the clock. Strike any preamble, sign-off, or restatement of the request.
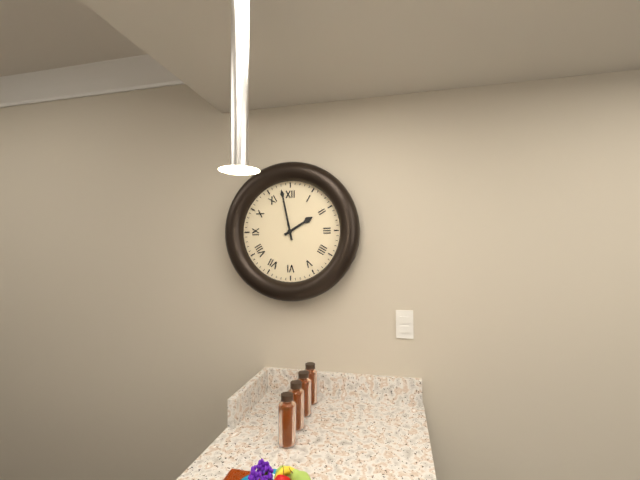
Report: 1:58
